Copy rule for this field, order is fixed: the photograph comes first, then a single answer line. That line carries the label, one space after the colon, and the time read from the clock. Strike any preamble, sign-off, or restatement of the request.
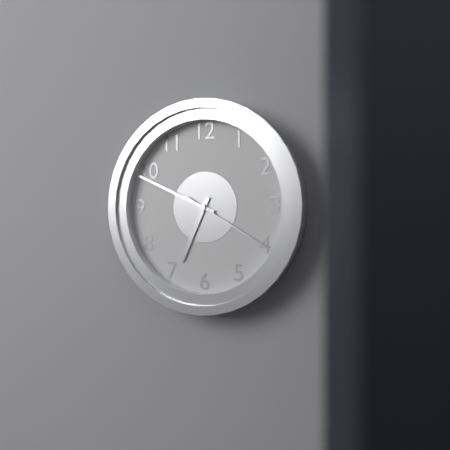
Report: 6:49:20
